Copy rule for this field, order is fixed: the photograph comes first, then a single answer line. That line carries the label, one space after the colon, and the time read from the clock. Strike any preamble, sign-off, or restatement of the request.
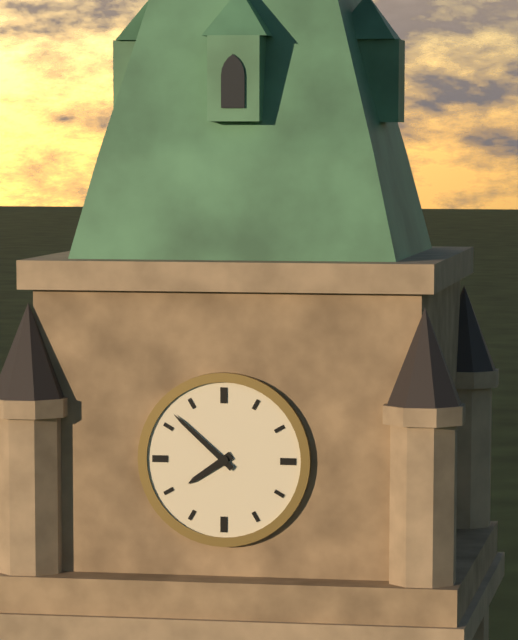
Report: 7:52
